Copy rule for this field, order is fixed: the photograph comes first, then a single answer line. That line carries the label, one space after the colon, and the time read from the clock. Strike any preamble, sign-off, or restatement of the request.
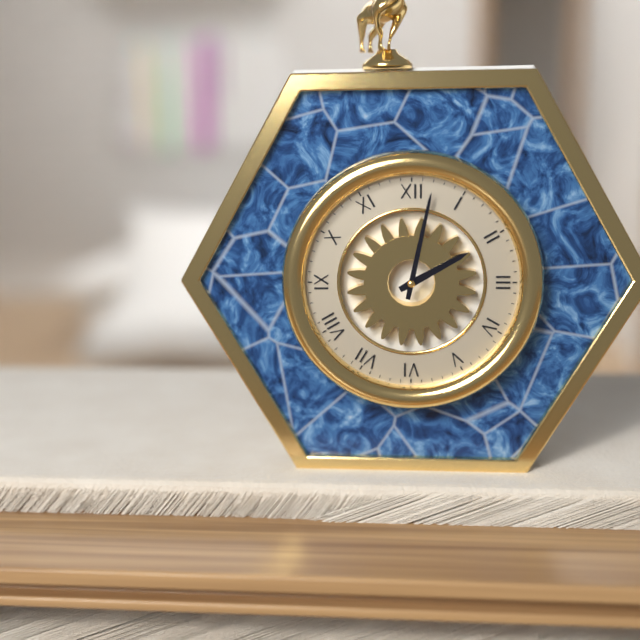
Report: 2:02
